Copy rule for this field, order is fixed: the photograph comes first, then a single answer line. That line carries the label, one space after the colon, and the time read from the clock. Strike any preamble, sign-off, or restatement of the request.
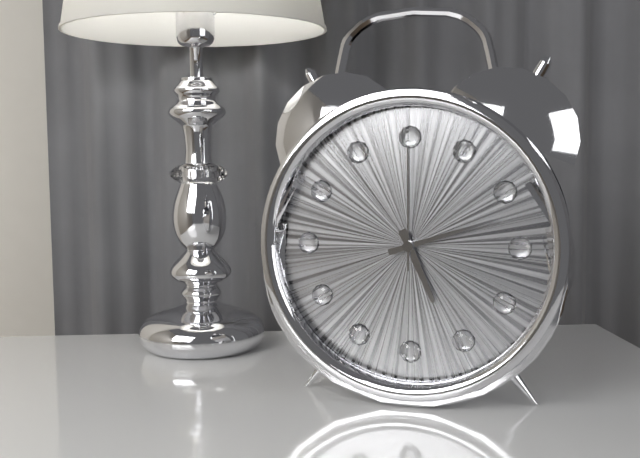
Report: 5:12:00
